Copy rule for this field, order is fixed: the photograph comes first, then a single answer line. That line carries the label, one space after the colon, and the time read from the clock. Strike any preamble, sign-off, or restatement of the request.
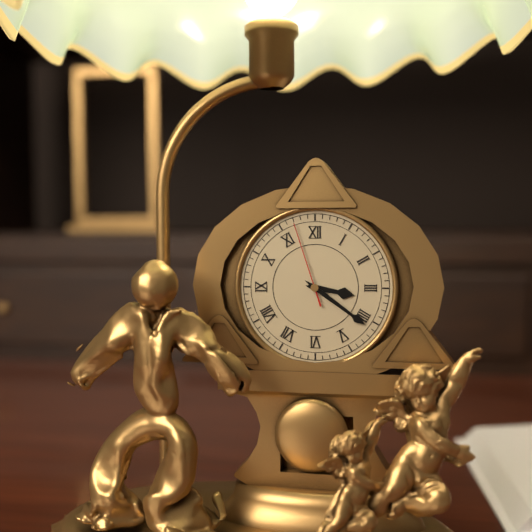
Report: 3:21:57
